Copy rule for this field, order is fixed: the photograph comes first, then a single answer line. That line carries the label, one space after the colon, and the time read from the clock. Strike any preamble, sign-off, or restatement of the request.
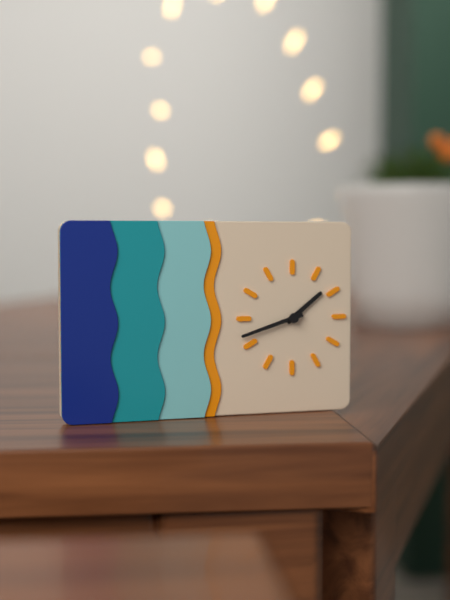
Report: 1:42
